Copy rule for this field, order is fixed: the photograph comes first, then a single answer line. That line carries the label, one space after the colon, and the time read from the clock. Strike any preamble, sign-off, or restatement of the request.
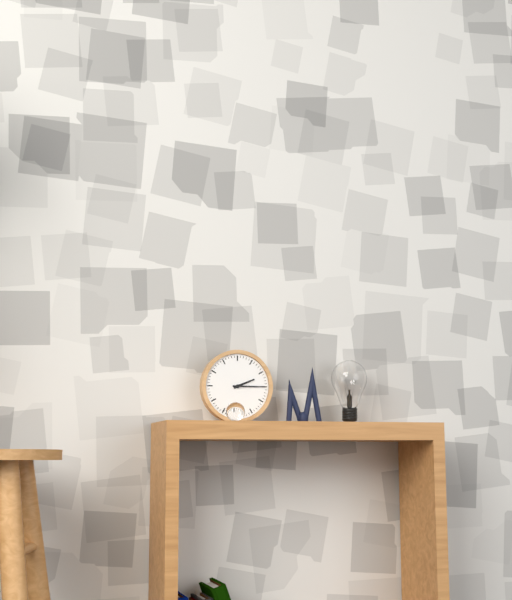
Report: 2:15
